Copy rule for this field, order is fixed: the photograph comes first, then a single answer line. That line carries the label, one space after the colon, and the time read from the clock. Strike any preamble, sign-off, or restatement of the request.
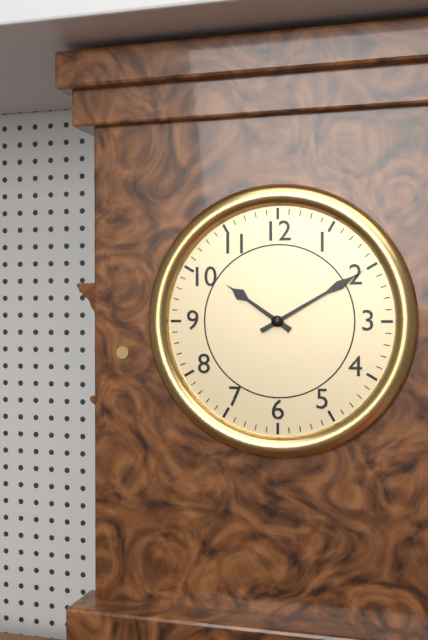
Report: 10:10
